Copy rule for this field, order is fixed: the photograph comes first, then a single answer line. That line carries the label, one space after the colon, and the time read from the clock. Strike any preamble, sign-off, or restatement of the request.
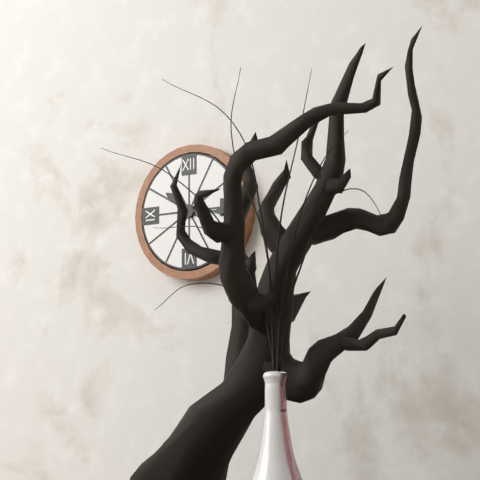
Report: 10:16
